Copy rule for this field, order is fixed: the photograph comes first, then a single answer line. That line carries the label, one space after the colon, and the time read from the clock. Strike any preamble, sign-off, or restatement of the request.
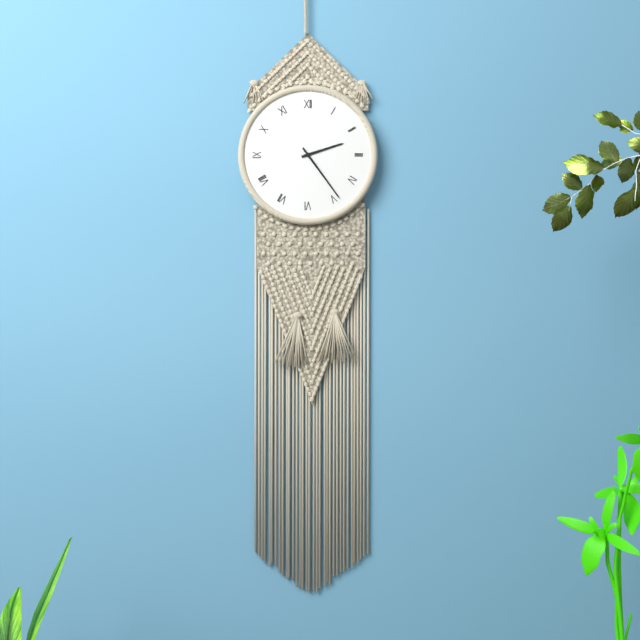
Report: 2:24
